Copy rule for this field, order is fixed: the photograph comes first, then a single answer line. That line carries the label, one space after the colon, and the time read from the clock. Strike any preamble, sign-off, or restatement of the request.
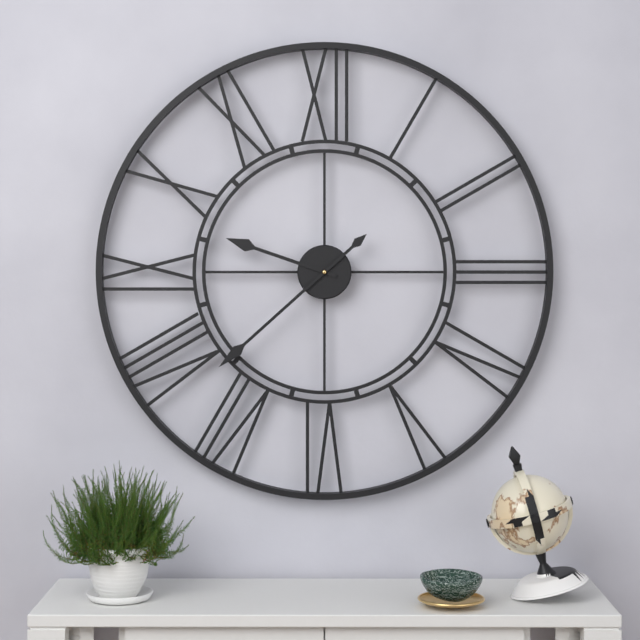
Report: 9:38
